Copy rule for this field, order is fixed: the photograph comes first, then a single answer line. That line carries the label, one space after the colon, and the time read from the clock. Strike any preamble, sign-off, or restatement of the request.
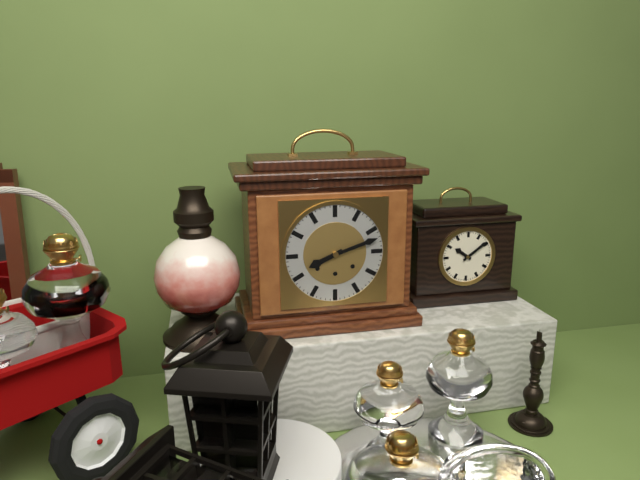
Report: 8:12
